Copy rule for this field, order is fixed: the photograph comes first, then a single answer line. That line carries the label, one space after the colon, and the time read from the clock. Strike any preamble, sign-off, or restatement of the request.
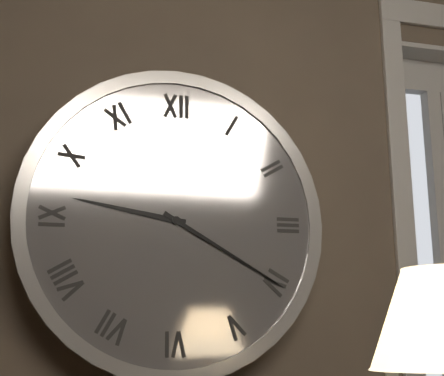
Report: 9:20
